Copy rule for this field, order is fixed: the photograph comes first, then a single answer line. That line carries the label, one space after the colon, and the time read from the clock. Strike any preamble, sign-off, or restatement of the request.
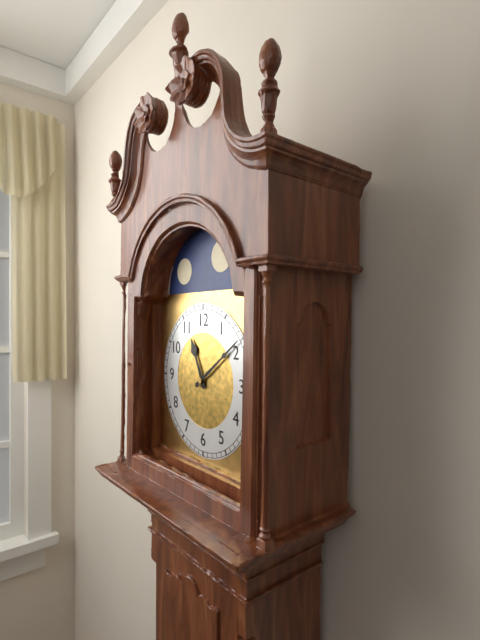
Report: 11:09
